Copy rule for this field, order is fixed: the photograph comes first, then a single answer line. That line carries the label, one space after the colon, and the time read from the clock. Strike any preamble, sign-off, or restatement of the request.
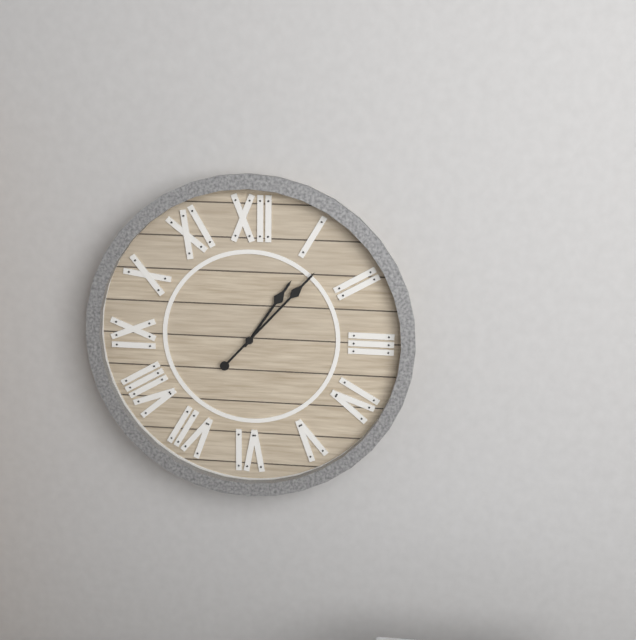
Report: 1:07
